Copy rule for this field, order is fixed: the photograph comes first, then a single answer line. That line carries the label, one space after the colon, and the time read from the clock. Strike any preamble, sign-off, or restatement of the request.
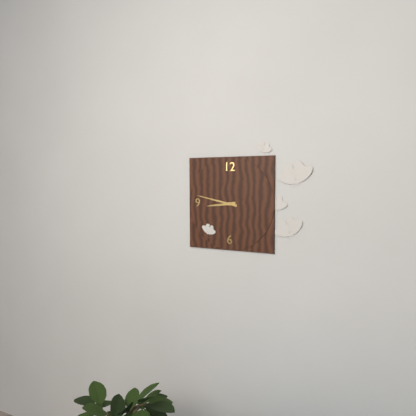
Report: 8:47
